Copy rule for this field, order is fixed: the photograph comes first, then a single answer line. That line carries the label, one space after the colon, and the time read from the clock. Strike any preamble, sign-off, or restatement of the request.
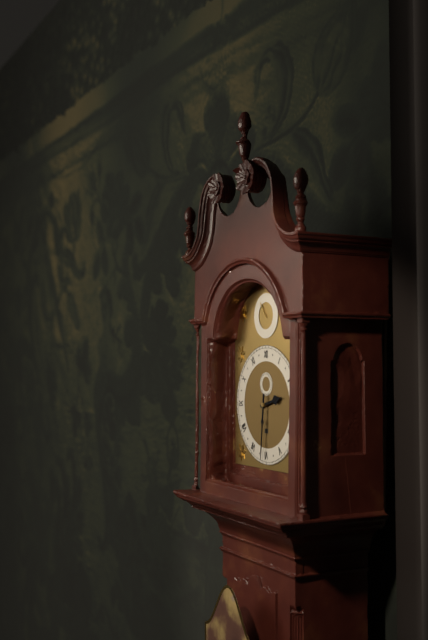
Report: 2:31
